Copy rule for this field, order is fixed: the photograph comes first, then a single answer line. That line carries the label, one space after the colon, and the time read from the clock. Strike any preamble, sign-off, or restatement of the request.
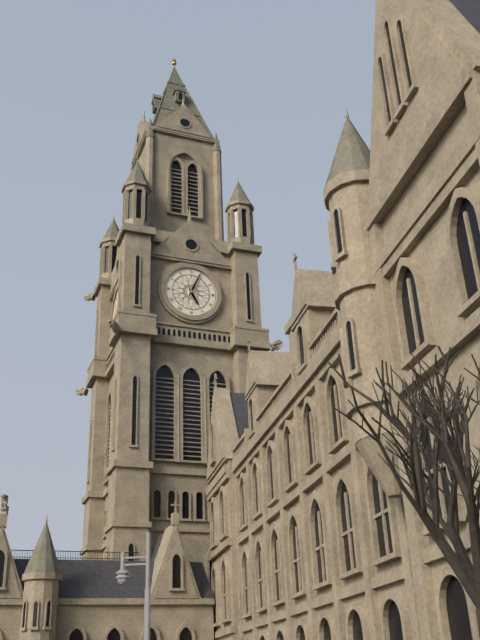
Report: 5:04
